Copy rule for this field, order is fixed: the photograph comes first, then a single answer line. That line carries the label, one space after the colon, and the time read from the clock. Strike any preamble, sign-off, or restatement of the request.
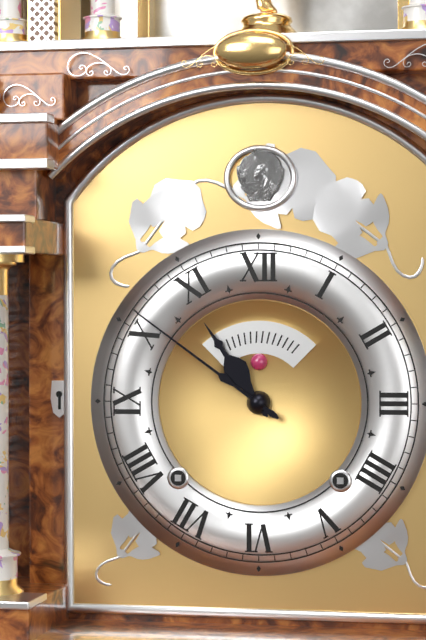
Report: 10:51
